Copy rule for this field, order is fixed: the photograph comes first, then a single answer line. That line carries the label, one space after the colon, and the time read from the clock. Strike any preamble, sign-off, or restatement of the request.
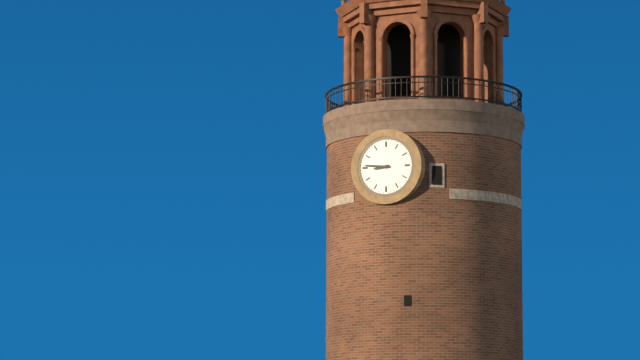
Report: 8:46
